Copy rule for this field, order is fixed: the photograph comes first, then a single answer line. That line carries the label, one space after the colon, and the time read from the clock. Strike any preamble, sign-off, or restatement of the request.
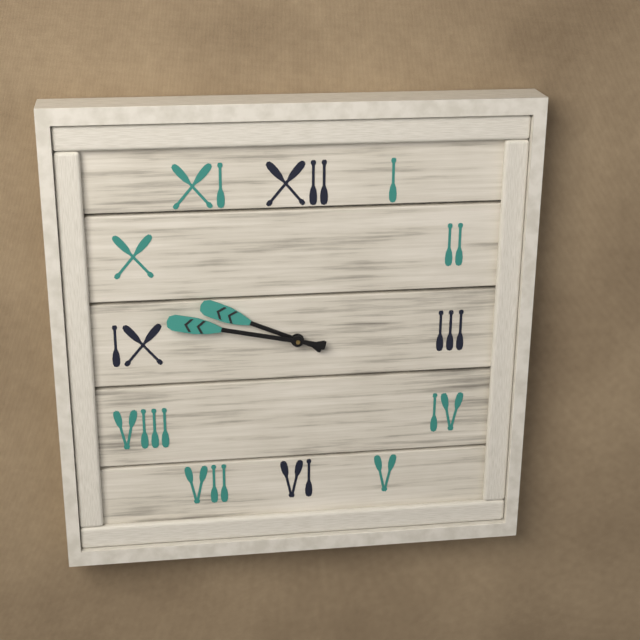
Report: 9:47
